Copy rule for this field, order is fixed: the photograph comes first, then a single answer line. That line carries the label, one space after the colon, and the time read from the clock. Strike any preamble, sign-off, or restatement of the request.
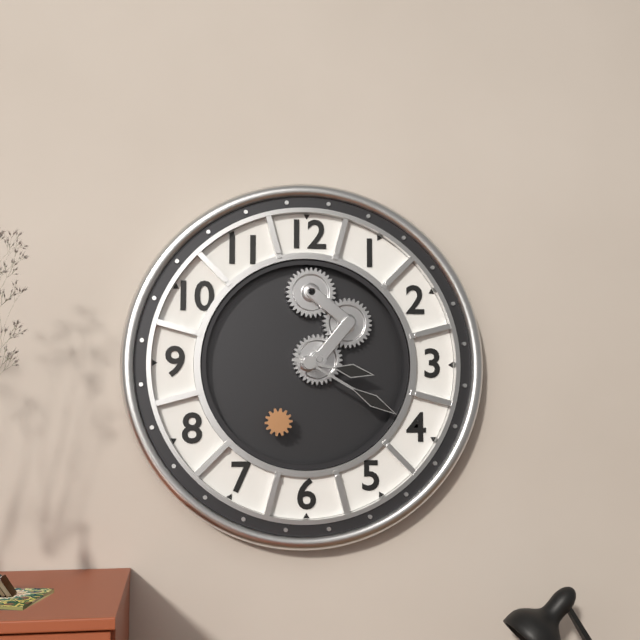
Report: 3:20
